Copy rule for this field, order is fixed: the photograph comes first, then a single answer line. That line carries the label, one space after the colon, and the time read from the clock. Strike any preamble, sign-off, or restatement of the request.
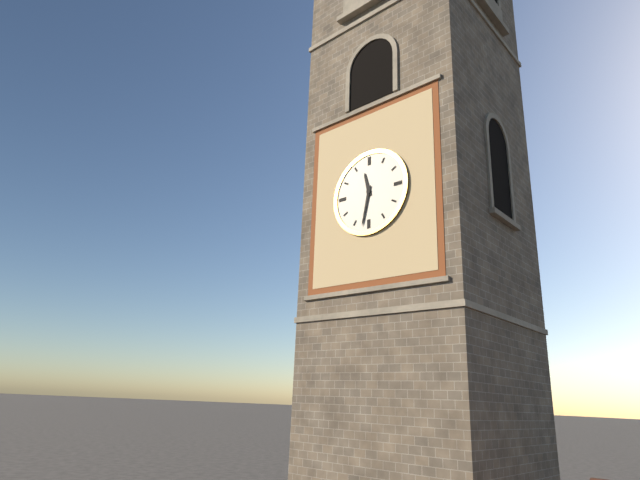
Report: 11:32
